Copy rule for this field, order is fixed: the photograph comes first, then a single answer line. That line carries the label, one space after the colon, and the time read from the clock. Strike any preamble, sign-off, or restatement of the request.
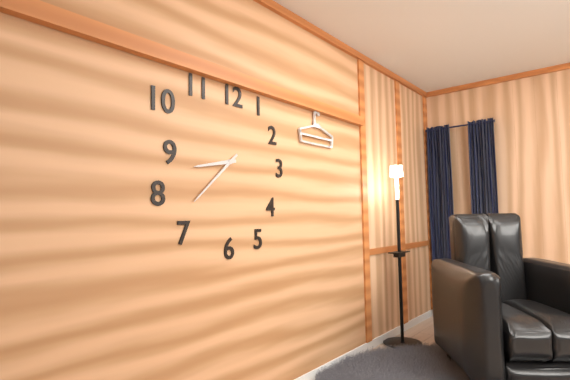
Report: 8:38
